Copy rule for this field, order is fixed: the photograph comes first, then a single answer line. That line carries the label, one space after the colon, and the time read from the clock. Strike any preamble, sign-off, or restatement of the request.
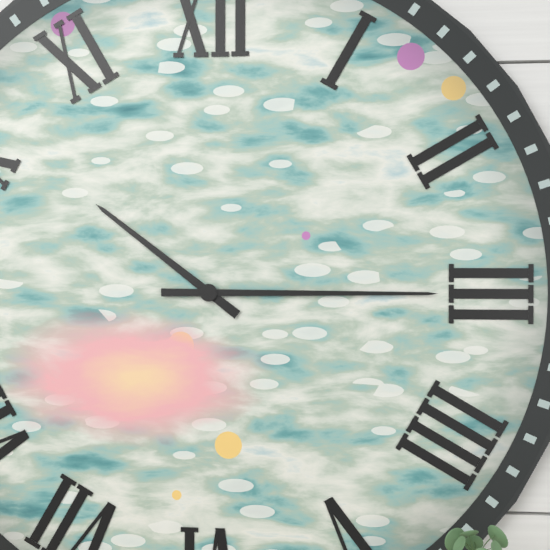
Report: 10:15
